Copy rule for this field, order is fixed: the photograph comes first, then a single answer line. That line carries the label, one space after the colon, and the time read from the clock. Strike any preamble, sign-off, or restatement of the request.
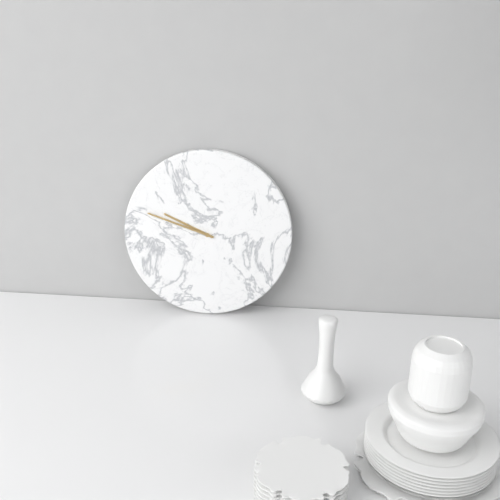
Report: 9:48
